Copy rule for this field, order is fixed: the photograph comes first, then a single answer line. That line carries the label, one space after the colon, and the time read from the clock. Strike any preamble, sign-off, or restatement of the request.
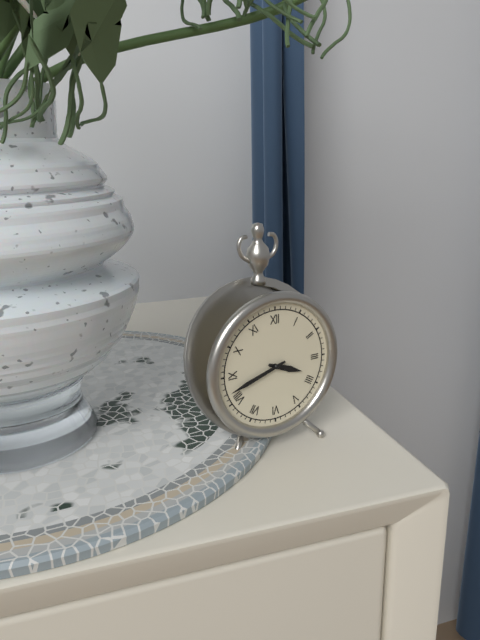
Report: 3:42
